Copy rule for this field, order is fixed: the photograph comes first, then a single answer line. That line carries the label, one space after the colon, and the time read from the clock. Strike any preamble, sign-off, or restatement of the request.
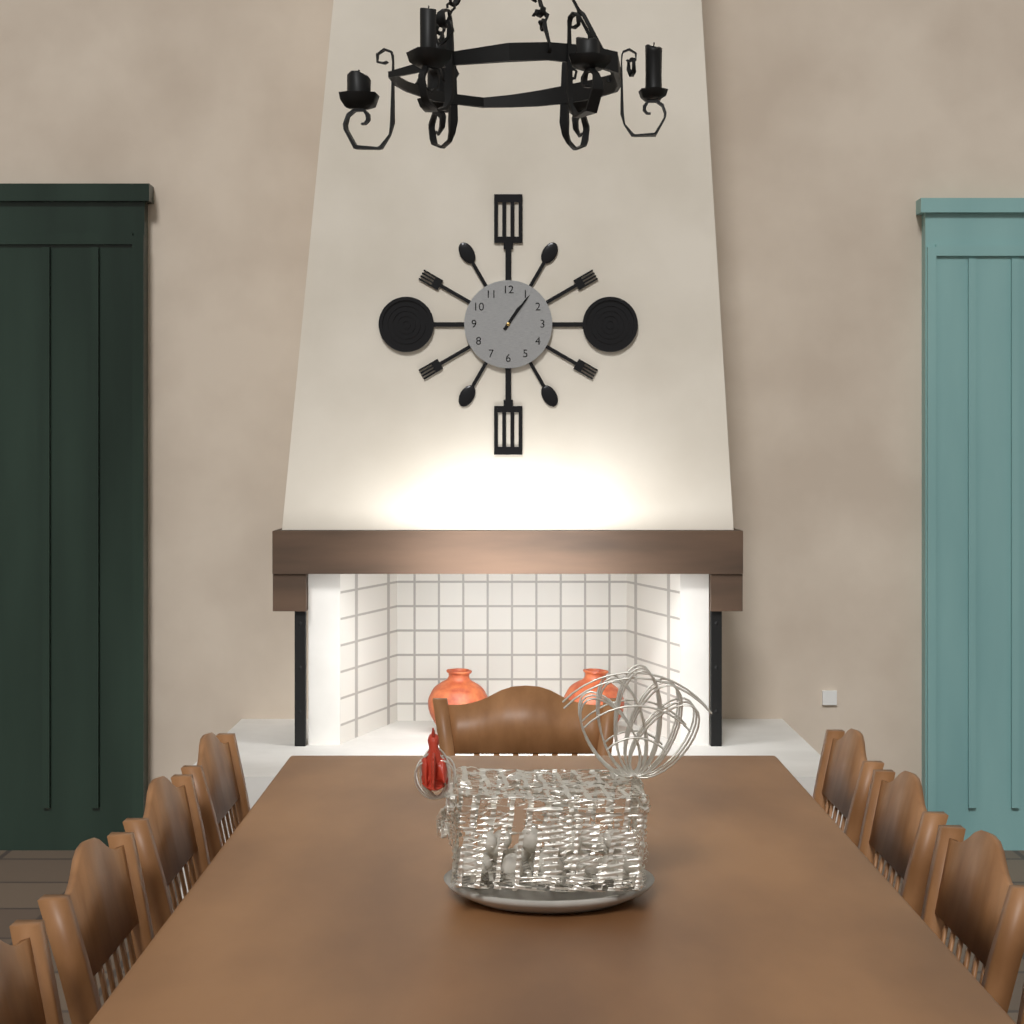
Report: 1:06
